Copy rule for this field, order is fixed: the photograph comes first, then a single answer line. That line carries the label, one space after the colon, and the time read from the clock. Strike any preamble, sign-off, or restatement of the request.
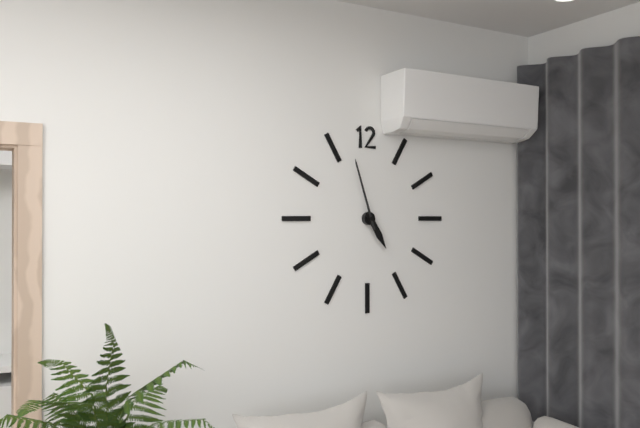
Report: 4:57
